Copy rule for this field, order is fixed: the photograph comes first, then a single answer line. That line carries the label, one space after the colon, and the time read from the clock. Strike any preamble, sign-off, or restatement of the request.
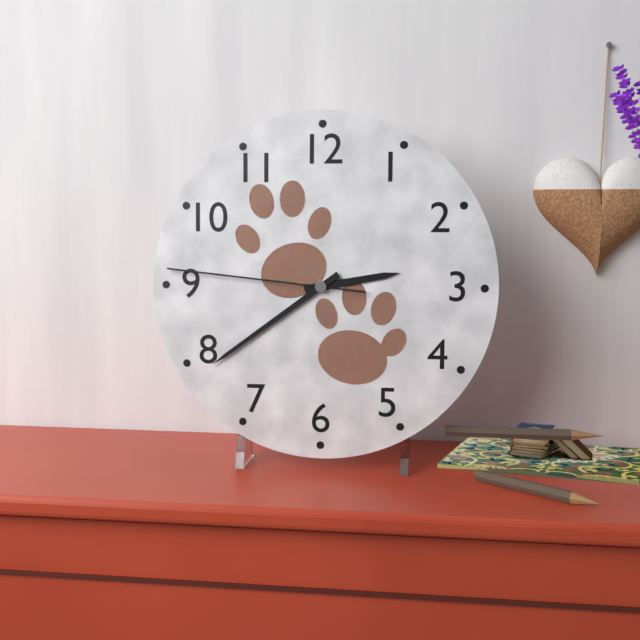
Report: 2:39:46
